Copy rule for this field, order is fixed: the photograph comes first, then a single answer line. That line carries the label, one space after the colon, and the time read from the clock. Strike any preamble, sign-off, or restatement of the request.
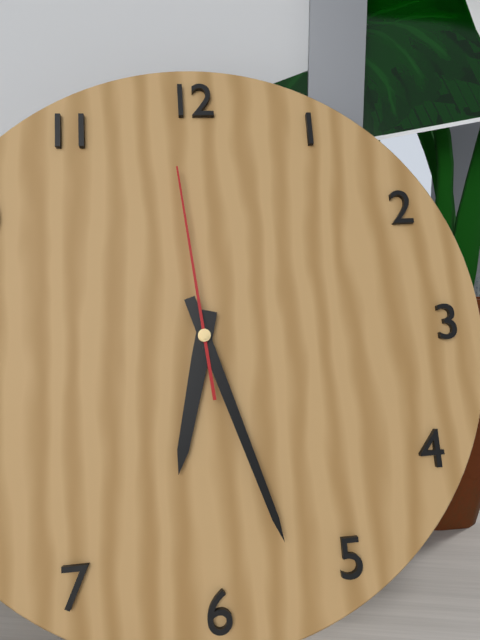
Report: 6:27:59
